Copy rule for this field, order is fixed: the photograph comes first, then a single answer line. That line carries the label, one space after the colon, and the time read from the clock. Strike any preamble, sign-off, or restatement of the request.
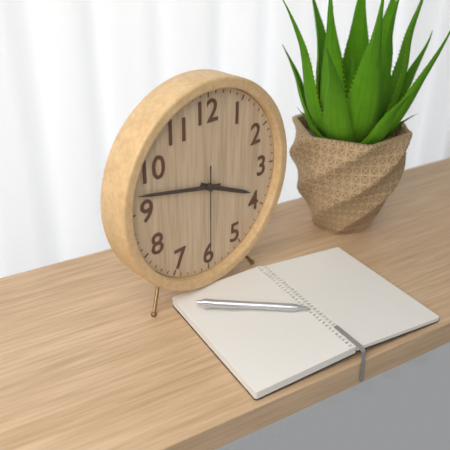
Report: 3:47:30
